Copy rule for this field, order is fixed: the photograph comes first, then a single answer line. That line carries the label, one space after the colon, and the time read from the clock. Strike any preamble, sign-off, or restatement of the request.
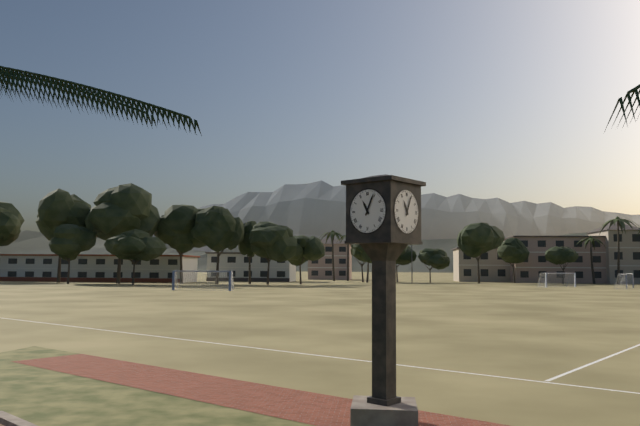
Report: 11:04
